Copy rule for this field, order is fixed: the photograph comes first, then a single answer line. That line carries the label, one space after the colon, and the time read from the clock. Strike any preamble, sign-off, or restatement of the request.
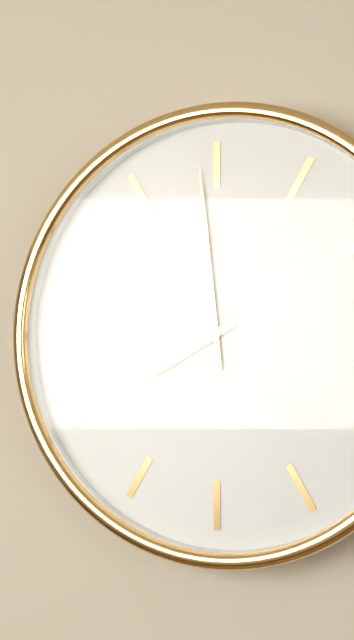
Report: 7:59
